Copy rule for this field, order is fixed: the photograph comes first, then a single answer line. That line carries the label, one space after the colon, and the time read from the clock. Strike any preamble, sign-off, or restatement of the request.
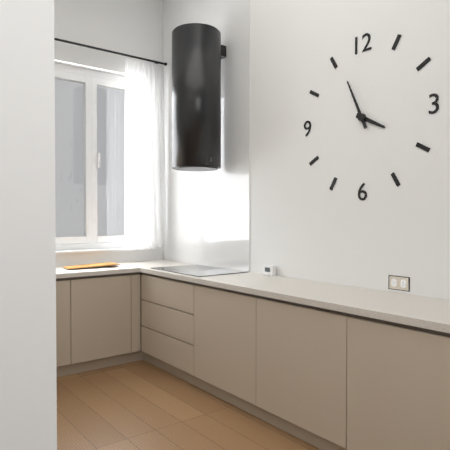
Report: 3:56
